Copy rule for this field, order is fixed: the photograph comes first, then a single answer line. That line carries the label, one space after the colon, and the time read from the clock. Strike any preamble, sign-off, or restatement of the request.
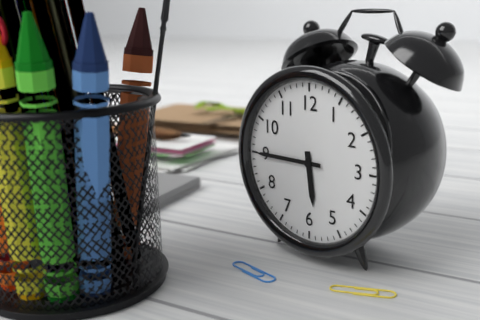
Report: 5:45
